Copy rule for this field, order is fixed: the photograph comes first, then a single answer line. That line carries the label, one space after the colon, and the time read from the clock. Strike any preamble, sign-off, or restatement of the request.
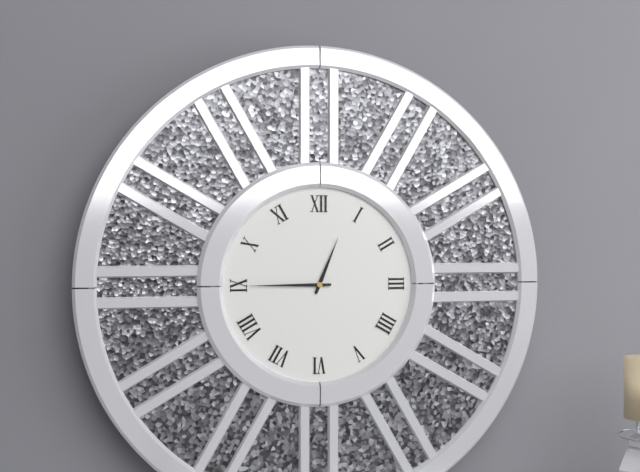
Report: 12:45
